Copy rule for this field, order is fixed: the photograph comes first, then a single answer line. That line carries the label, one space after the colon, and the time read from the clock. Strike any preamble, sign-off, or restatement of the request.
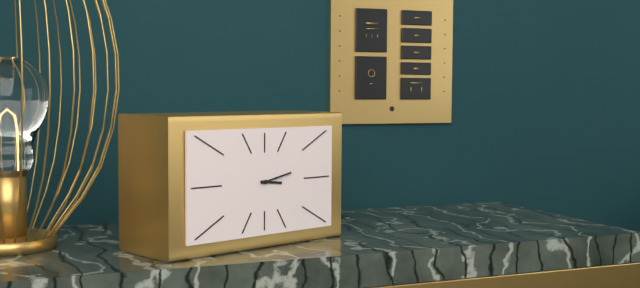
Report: 3:13
